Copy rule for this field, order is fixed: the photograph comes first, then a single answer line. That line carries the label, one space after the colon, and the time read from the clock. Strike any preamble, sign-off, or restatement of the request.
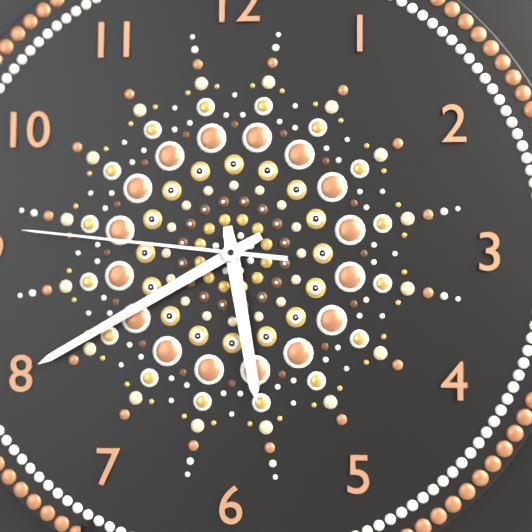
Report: 5:40:46
